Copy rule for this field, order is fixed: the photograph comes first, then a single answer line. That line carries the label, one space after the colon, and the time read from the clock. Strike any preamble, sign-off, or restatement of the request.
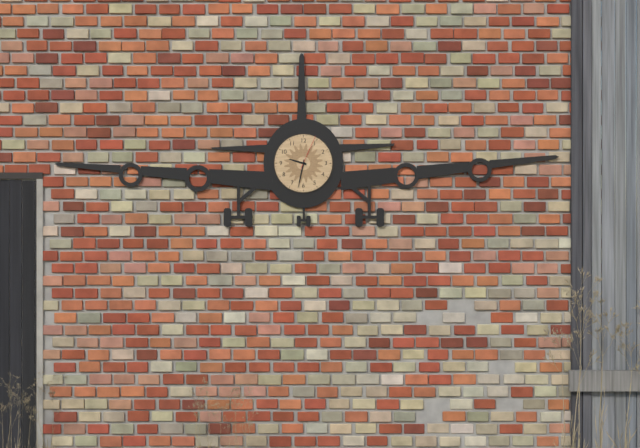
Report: 9:32
